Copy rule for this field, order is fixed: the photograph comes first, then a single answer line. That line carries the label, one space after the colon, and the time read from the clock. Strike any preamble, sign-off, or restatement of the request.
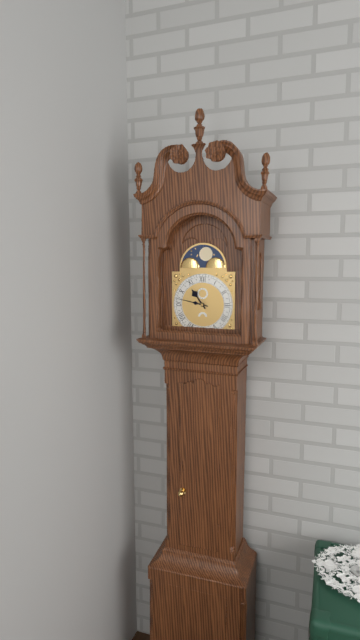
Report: 10:47
